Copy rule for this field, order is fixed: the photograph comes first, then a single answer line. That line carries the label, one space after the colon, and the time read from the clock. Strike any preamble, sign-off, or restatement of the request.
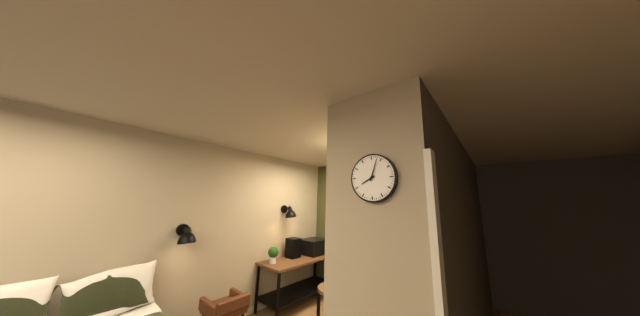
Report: 8:03
